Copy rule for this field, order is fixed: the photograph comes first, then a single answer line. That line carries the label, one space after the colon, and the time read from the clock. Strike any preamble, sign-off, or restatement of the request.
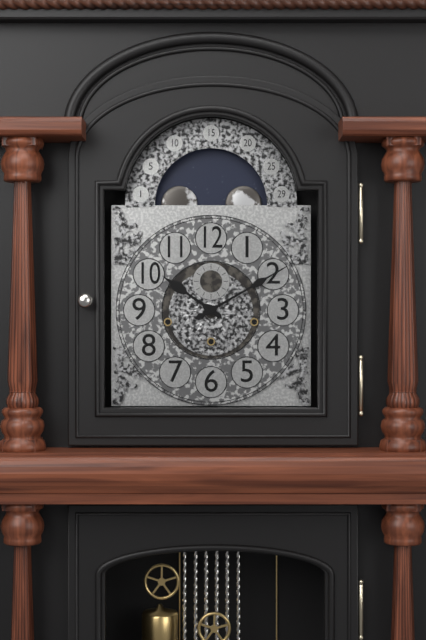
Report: 10:10
